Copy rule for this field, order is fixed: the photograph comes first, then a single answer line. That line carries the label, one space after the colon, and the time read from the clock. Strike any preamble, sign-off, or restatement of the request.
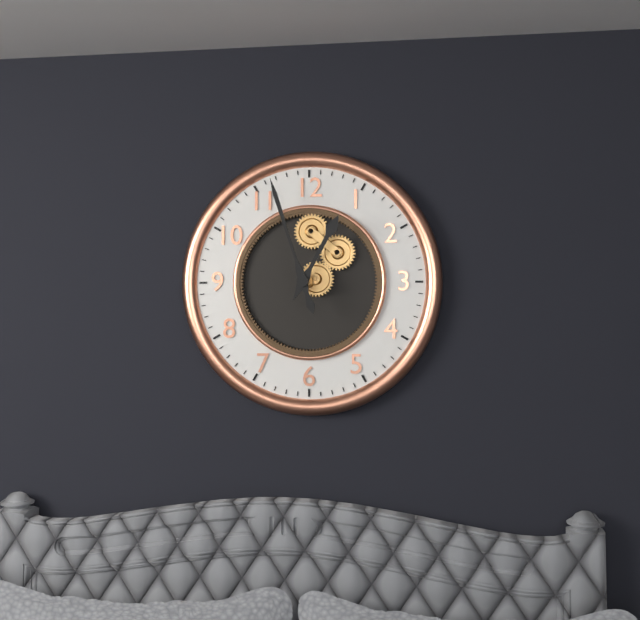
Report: 12:57
